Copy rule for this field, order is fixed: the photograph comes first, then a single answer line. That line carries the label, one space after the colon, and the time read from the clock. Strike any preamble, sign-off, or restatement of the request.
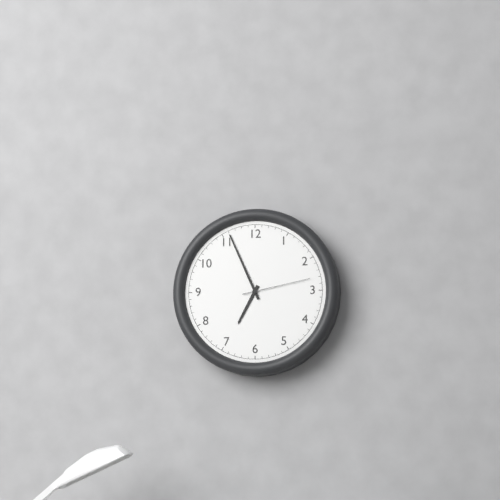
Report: 6:56:13
